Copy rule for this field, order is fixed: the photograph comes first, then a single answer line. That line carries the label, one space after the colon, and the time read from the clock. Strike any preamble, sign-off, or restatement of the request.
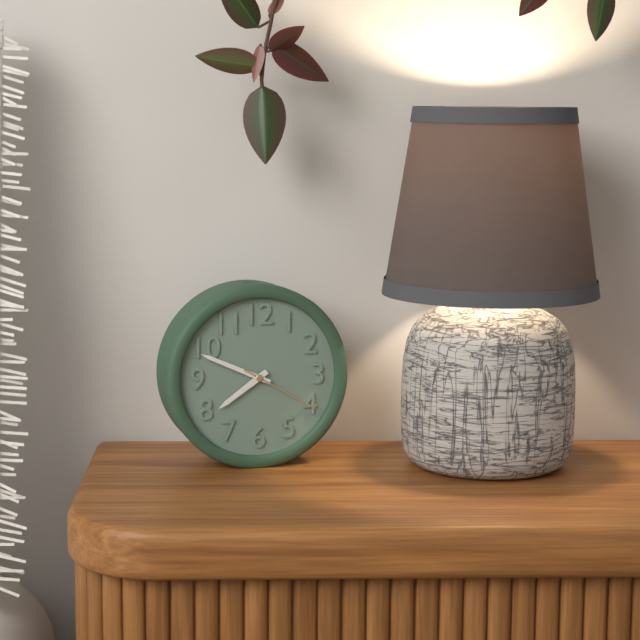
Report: 7:49:20
